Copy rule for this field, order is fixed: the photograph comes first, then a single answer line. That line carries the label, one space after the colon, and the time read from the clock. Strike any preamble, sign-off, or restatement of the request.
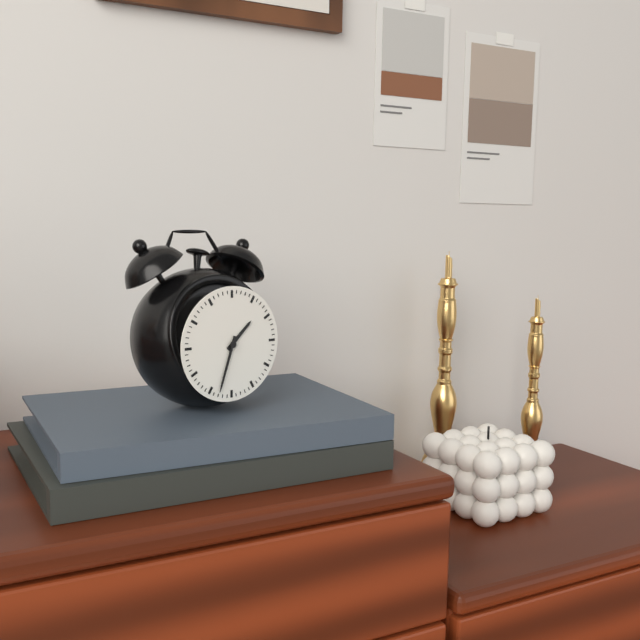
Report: 1:33
